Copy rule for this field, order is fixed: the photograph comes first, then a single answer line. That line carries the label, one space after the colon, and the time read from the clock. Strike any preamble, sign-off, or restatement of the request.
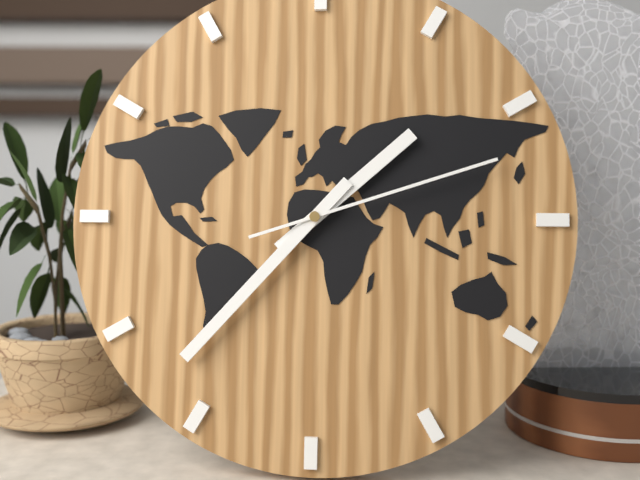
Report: 1:37:12
